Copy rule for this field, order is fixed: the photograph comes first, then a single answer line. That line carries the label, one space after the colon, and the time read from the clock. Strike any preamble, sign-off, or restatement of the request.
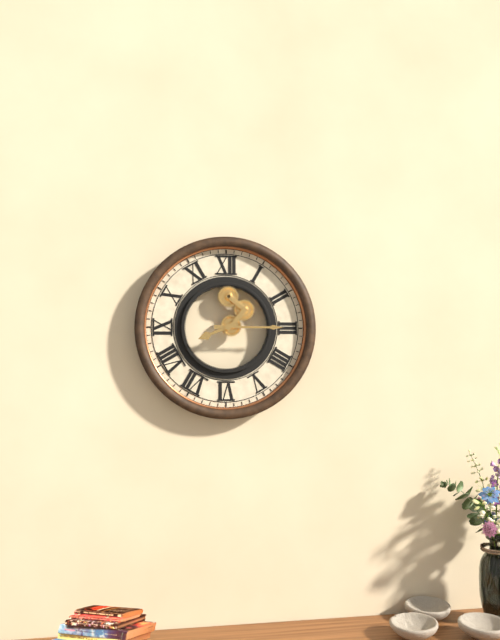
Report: 8:15
